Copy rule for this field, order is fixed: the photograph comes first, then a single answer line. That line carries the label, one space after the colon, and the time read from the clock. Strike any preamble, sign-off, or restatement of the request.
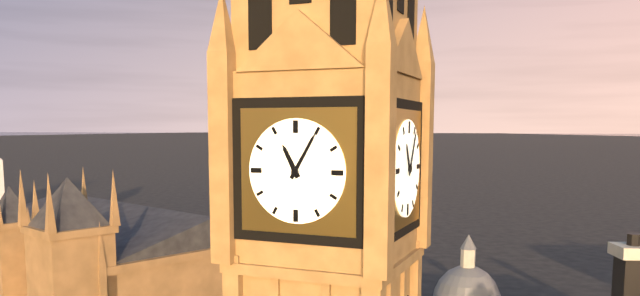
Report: 11:05
